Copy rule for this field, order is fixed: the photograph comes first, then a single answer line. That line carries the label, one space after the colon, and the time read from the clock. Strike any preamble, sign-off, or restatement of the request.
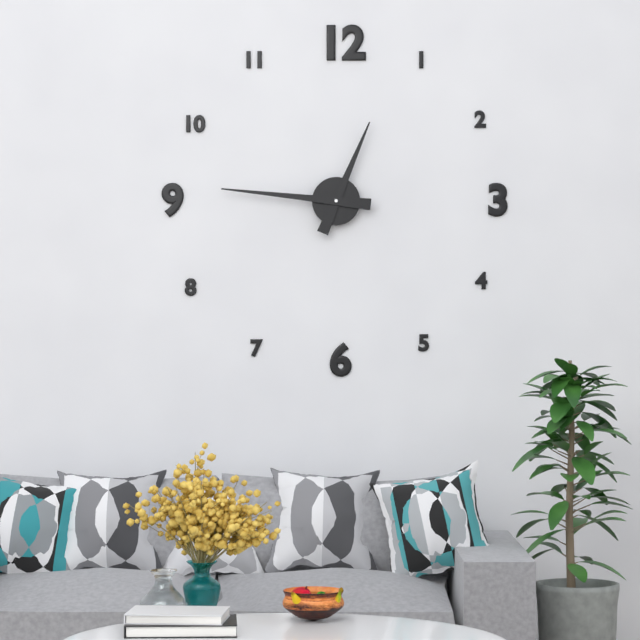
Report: 12:46
